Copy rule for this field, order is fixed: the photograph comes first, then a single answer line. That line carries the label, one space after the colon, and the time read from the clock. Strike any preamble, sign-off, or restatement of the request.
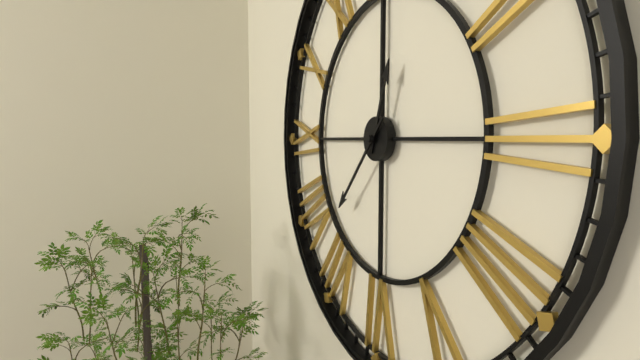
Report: 12:37
